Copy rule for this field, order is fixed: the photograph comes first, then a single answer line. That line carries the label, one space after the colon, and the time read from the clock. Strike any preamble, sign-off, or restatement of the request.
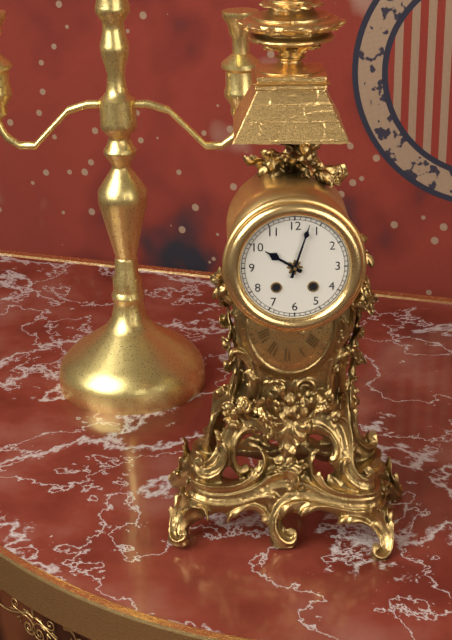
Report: 10:03
